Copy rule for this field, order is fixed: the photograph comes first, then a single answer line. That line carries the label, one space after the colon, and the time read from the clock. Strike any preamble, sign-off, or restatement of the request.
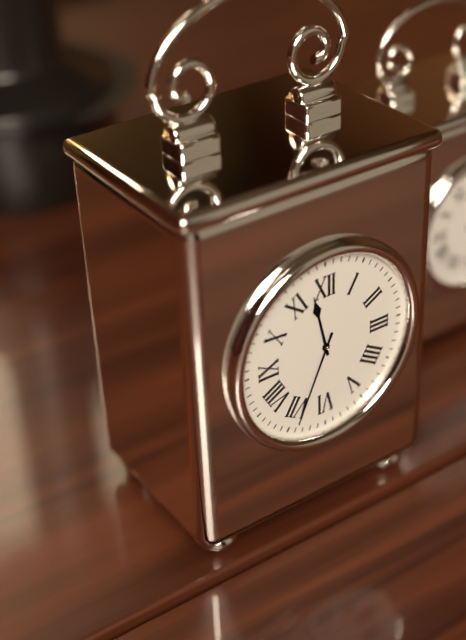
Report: 11:34
